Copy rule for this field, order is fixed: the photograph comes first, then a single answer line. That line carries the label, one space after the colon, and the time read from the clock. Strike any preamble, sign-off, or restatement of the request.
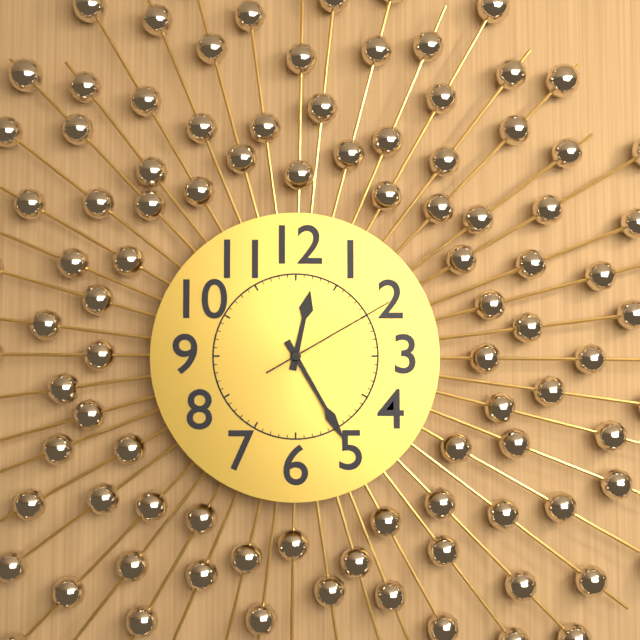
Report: 12:25:10
